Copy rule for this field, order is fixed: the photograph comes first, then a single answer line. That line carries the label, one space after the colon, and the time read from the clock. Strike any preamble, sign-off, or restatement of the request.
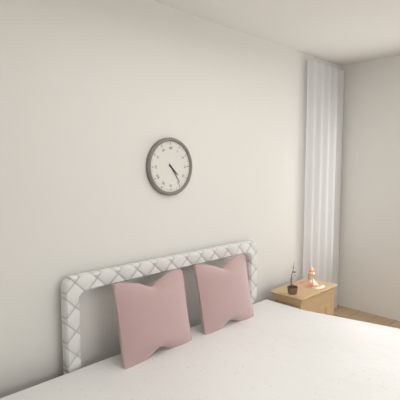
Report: 4:24
